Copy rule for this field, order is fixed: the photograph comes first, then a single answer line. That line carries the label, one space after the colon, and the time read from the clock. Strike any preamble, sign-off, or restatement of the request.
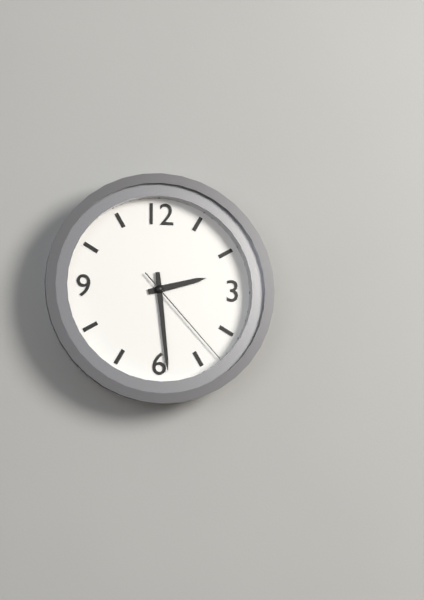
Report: 2:29:23
